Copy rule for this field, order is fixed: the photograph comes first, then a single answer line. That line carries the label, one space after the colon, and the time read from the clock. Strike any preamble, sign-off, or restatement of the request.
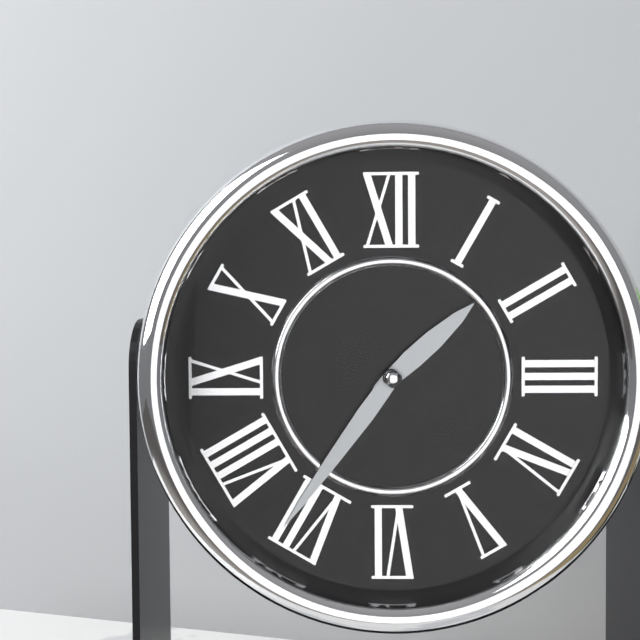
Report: 1:36
